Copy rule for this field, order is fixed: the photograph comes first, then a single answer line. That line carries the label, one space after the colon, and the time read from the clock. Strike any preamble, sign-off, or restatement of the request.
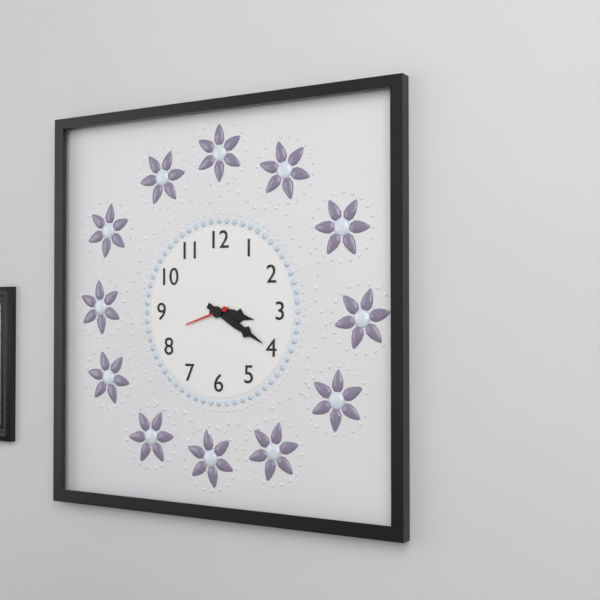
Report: 3:20
